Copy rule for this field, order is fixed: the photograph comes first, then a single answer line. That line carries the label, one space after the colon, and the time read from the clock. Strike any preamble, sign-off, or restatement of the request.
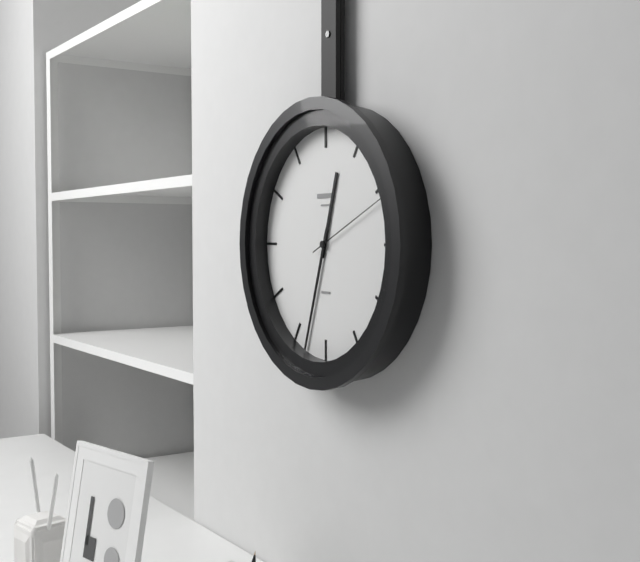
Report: 12:33:11
